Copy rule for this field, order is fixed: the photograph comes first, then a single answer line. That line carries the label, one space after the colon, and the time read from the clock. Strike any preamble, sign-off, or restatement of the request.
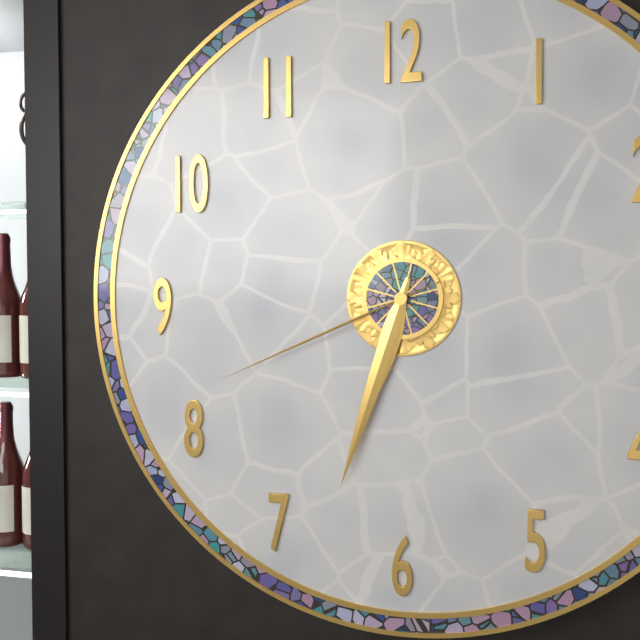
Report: 6:33:41
